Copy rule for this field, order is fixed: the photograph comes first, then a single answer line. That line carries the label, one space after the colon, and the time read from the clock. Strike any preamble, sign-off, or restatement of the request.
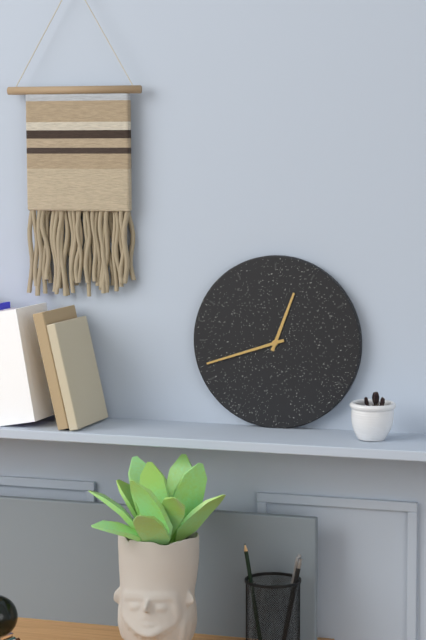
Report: 12:42
